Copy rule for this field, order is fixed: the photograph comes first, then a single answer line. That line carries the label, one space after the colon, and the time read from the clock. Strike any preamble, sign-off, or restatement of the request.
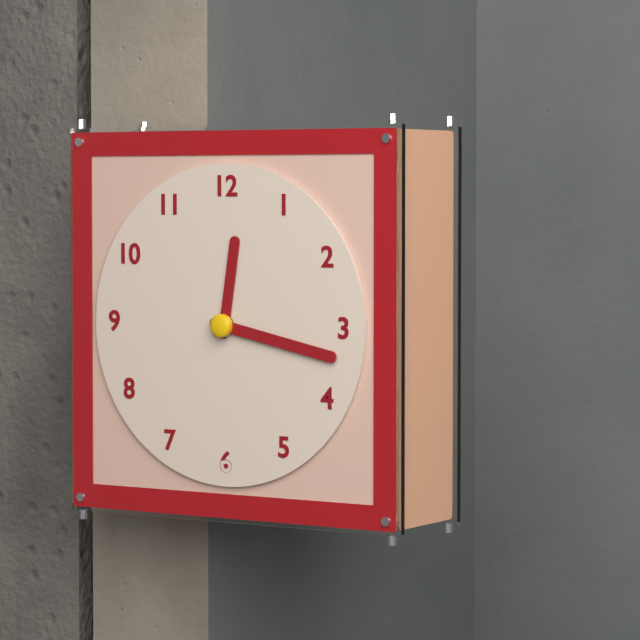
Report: 12:17
